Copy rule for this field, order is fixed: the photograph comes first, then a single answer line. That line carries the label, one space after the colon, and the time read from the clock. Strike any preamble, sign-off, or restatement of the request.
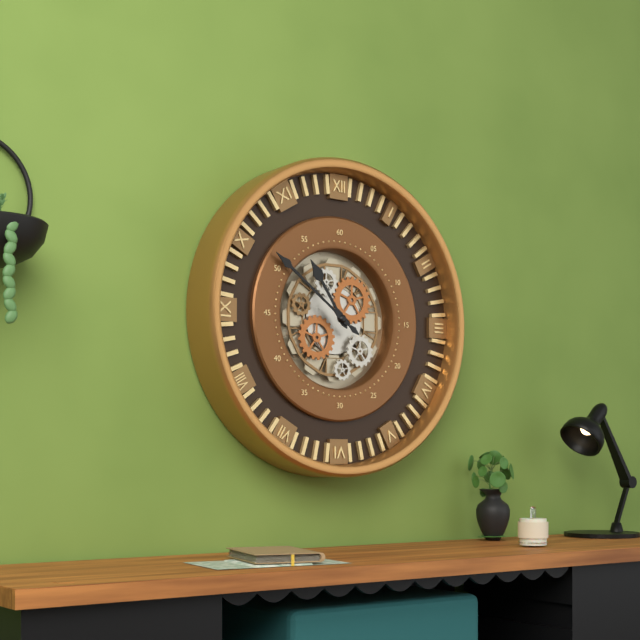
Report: 10:51
